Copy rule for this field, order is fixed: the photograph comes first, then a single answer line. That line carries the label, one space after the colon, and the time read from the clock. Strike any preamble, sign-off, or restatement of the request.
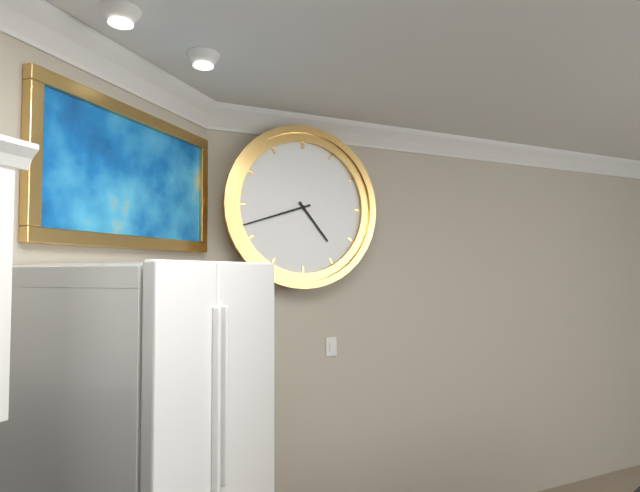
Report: 4:42
